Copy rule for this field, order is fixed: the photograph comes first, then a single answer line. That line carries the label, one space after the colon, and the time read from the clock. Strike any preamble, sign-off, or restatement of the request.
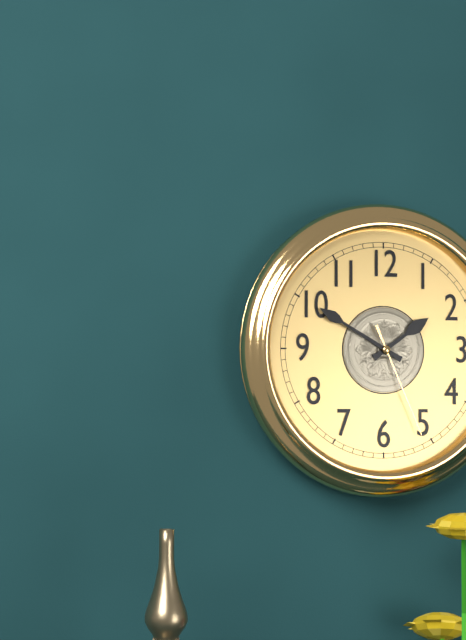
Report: 1:50:26
